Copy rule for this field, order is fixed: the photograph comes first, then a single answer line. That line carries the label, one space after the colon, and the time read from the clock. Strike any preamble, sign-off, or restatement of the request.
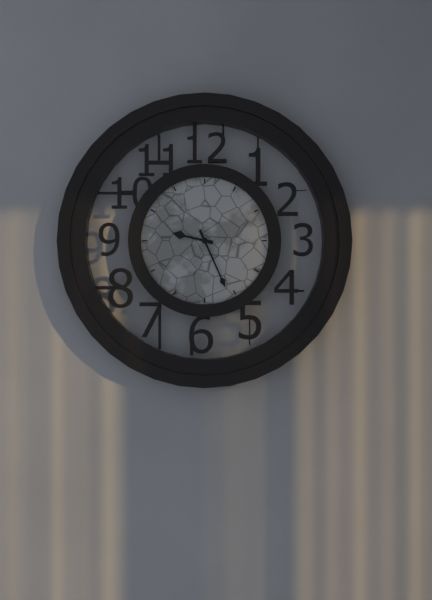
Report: 9:26
